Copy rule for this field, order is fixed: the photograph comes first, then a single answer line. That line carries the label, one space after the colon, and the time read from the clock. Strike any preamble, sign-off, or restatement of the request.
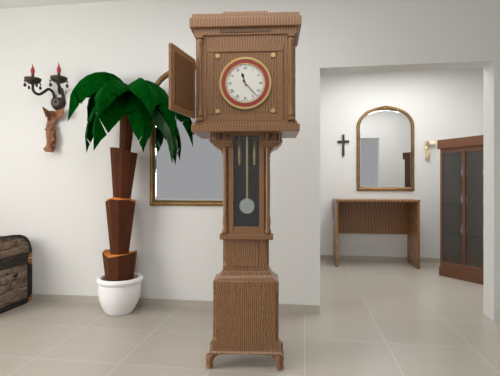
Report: 11:23
